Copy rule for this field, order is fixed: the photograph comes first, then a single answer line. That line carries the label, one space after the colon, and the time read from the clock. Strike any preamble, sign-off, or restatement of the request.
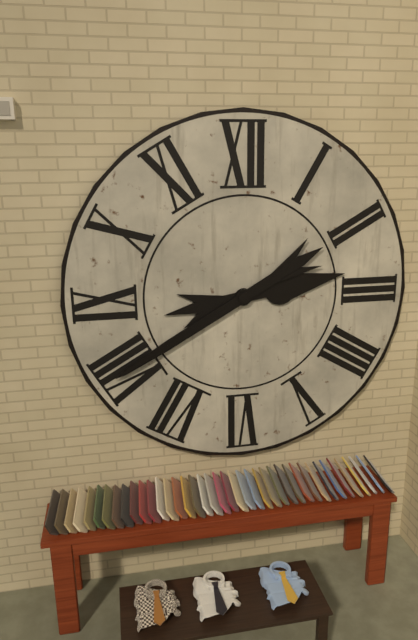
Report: 2:40
